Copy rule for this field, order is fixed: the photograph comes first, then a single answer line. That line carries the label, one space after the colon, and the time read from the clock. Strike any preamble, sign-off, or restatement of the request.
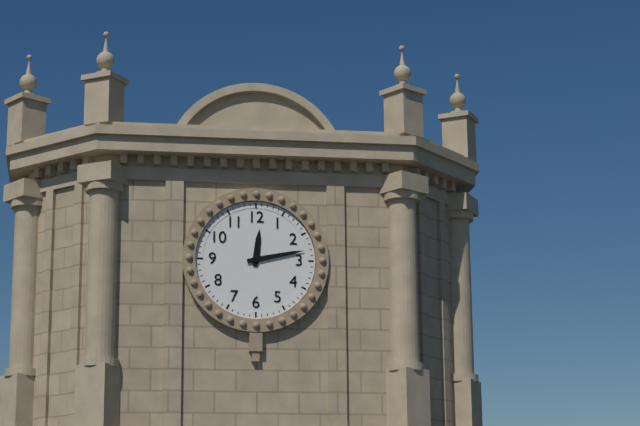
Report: 12:13
